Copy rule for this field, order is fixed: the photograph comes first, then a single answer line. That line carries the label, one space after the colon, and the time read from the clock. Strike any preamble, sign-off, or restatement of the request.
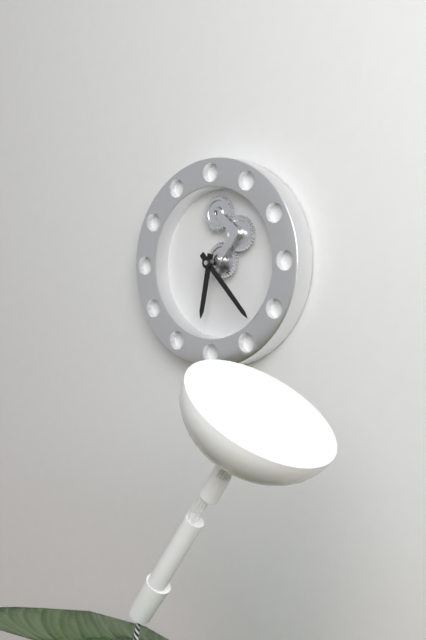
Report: 6:23
